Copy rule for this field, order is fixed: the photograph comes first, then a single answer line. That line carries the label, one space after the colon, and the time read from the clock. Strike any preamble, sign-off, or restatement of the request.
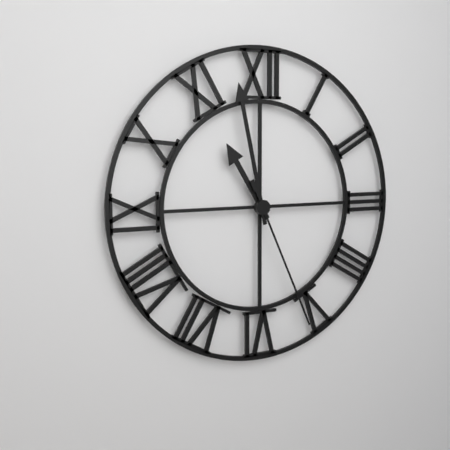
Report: 10:58:26
